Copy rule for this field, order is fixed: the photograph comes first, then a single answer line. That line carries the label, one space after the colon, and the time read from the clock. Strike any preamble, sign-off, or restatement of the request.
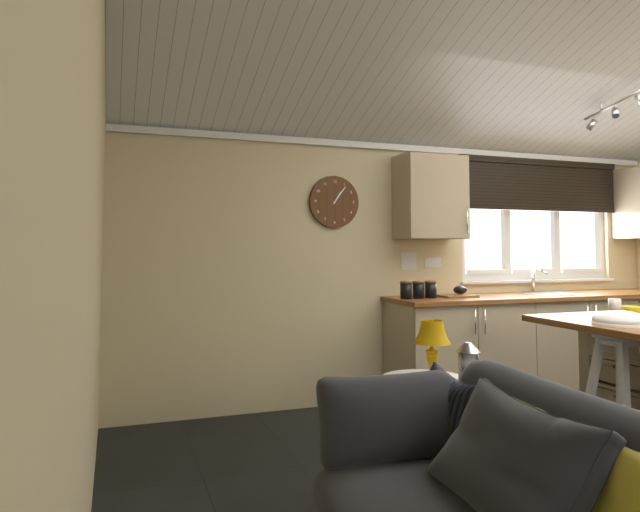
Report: 1:06
